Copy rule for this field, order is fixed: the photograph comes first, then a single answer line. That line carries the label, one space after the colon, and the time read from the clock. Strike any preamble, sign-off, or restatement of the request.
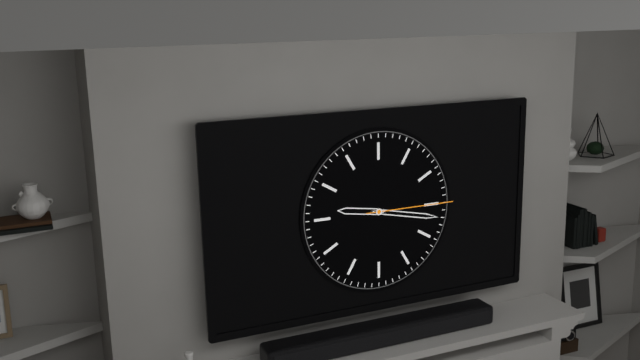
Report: 9:17:15
